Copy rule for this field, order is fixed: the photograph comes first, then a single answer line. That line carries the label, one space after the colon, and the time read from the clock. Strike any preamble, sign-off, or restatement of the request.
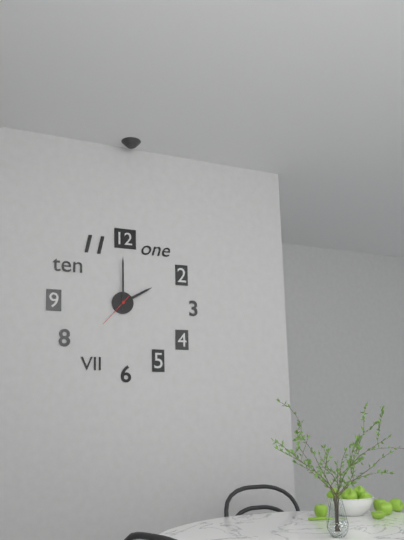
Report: 2:00
